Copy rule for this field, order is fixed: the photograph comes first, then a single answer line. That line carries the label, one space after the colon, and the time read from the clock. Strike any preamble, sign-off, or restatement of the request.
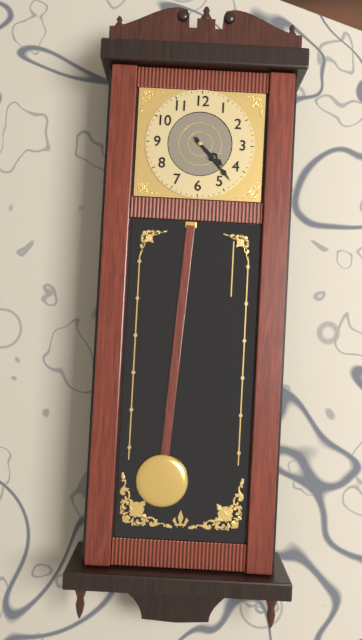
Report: 4:23
